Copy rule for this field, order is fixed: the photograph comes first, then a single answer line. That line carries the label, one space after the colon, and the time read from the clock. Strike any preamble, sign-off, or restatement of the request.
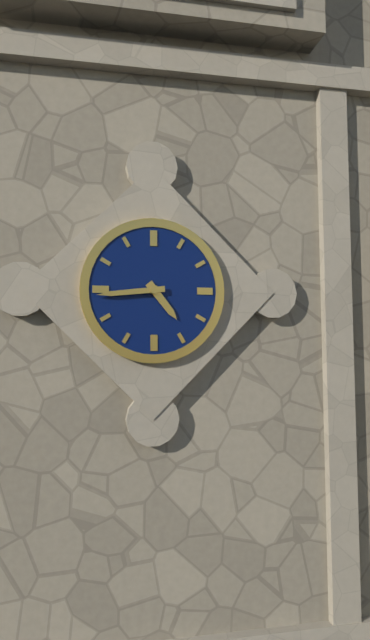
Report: 4:44
